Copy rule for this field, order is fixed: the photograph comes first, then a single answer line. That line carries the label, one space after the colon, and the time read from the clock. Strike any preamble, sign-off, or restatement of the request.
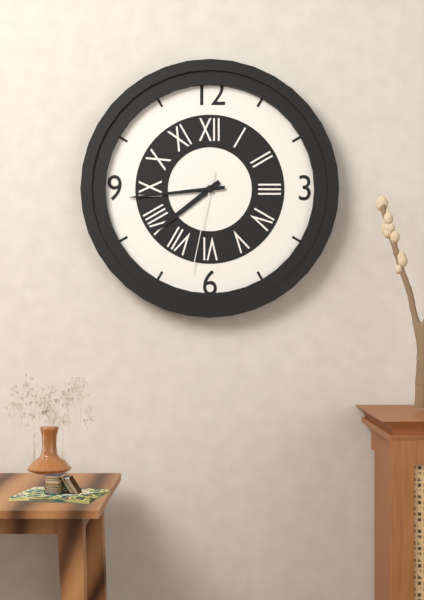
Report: 7:44:32
